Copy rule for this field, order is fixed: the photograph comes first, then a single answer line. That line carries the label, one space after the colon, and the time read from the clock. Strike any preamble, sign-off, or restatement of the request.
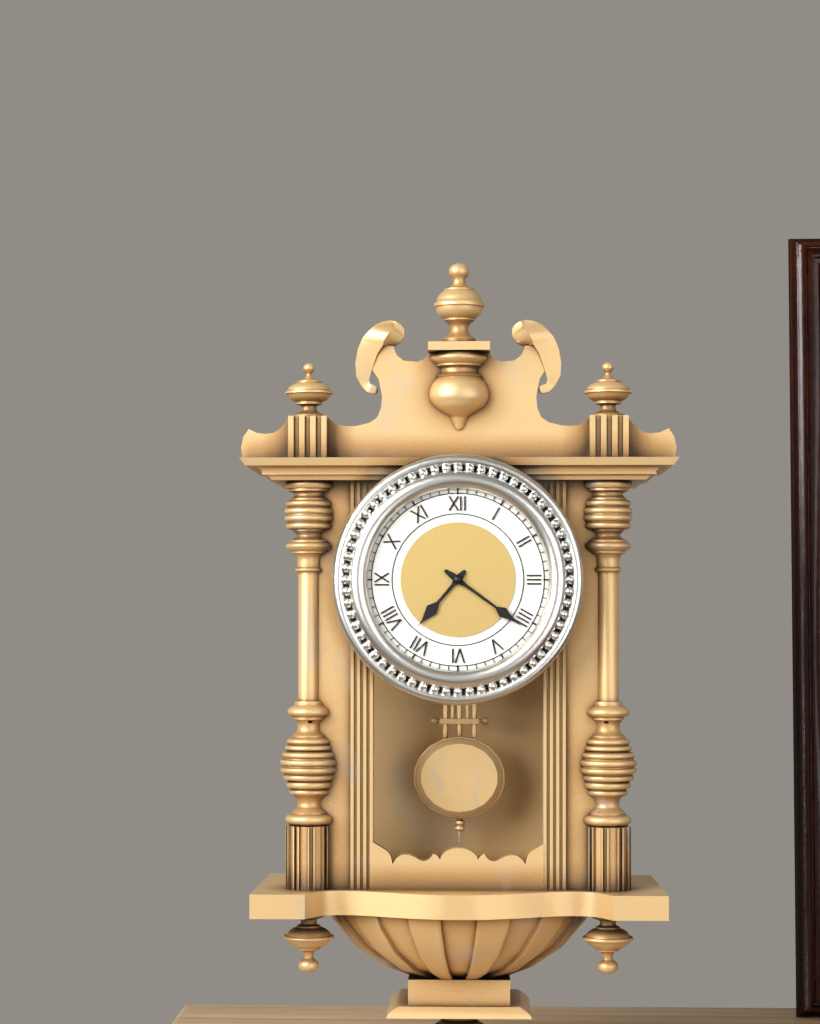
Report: 7:21
